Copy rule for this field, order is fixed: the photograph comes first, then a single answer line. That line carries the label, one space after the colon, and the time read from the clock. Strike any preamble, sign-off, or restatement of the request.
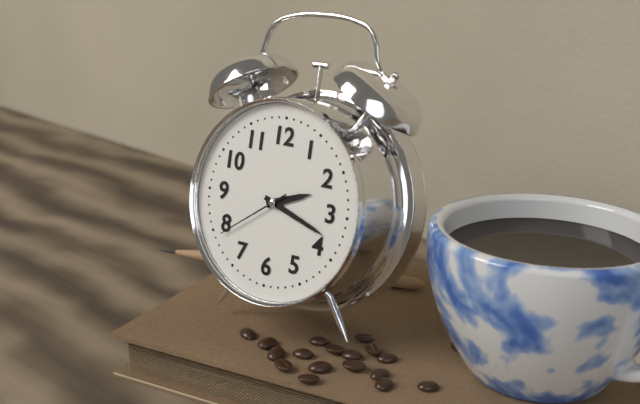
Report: 2:18:39
